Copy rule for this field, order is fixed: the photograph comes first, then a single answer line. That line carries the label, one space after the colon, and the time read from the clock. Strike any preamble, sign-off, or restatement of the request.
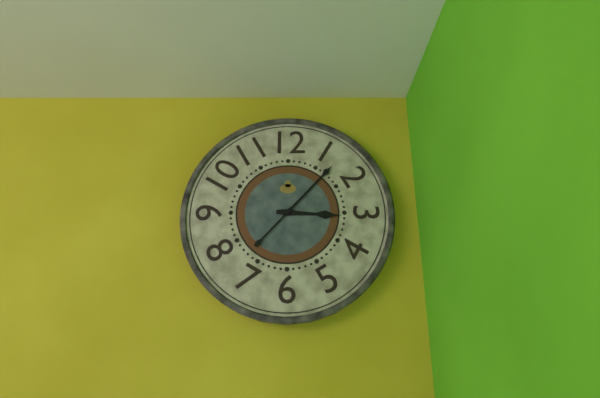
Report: 3:07
